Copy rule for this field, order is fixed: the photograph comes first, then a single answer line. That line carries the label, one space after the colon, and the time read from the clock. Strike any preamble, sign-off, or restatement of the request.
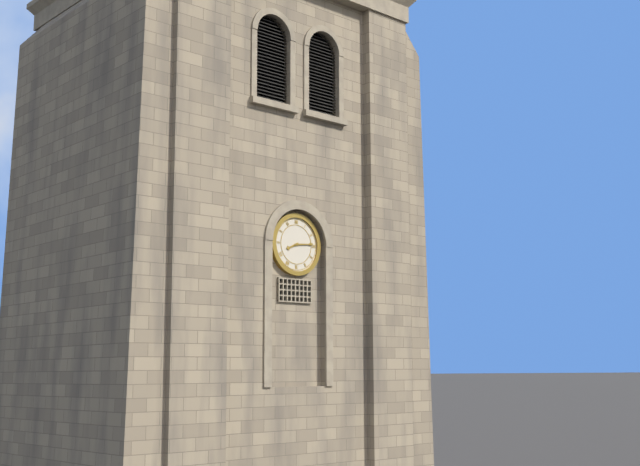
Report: 8:14
